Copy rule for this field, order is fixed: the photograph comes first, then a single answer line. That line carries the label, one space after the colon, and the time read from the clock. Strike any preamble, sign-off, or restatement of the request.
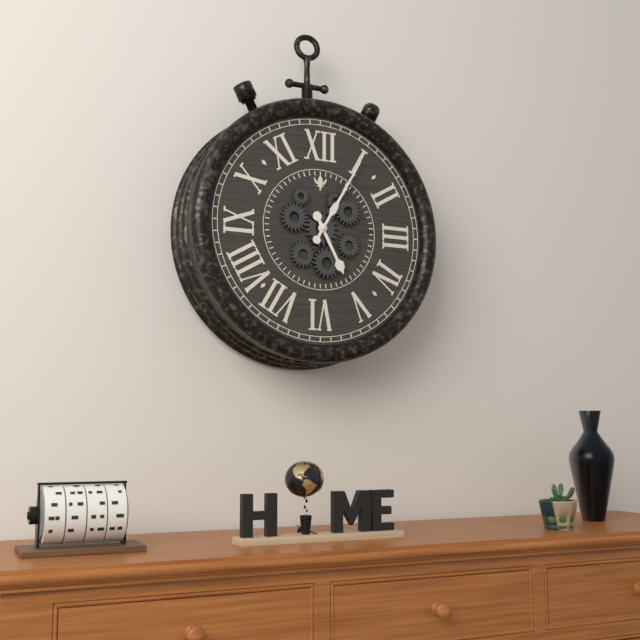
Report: 5:05
